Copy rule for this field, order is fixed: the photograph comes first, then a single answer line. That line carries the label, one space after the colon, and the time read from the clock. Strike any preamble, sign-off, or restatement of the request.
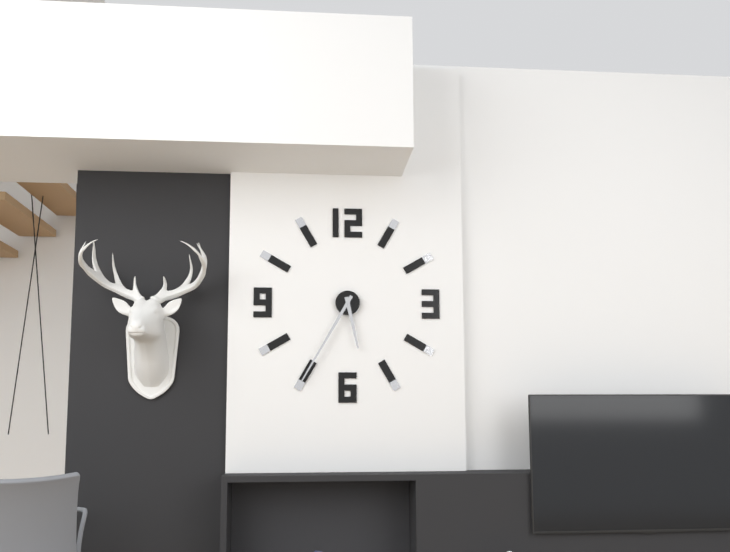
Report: 5:35
